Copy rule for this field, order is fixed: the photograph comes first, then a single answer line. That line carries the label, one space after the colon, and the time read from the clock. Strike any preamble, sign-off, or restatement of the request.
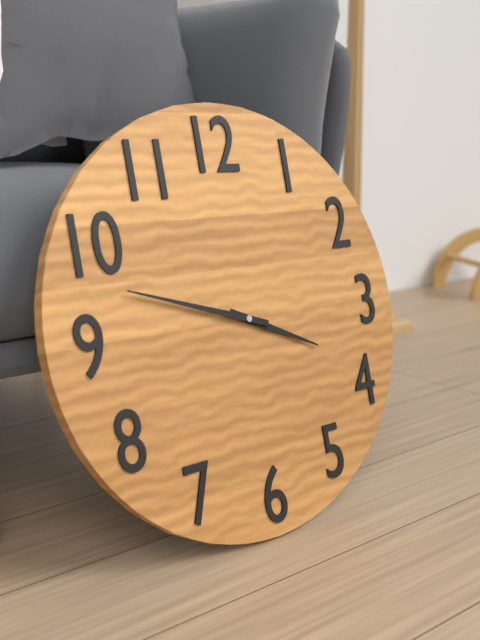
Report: 3:48
